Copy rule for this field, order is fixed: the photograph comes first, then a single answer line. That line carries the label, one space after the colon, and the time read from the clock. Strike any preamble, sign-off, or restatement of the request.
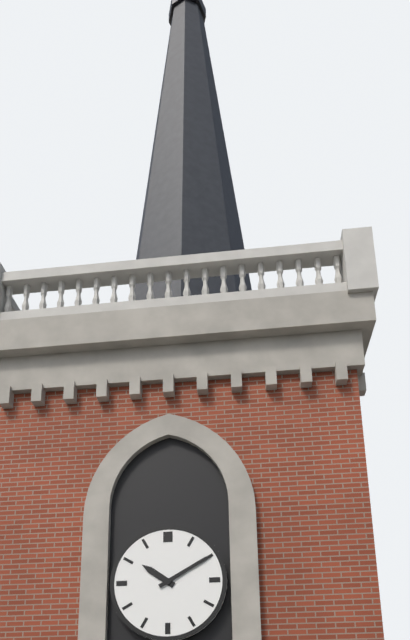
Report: 10:10
